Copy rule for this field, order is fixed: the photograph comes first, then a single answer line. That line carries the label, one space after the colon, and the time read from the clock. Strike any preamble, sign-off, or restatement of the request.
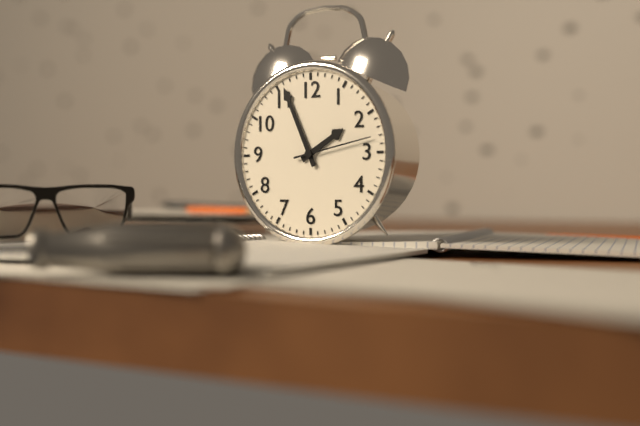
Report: 1:56:13
